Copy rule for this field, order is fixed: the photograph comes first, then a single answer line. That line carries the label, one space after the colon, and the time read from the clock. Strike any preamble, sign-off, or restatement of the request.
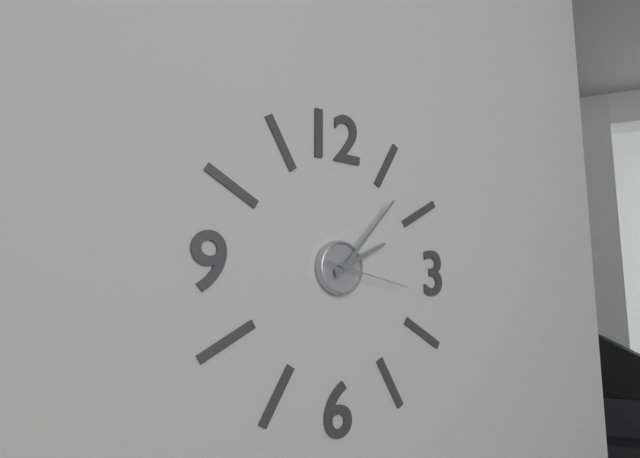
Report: 2:07:17
